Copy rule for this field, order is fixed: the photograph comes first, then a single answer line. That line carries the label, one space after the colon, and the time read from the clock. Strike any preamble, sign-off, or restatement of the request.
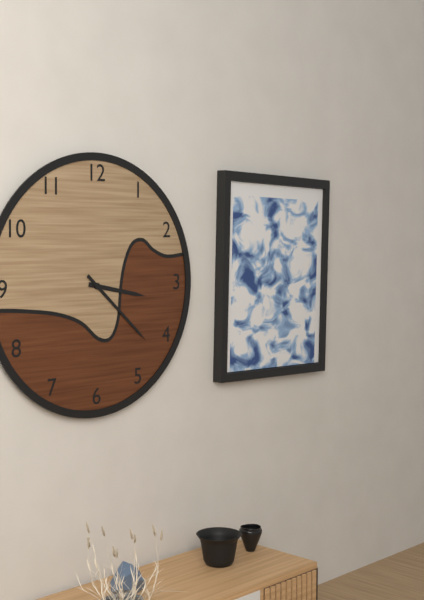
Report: 3:22
